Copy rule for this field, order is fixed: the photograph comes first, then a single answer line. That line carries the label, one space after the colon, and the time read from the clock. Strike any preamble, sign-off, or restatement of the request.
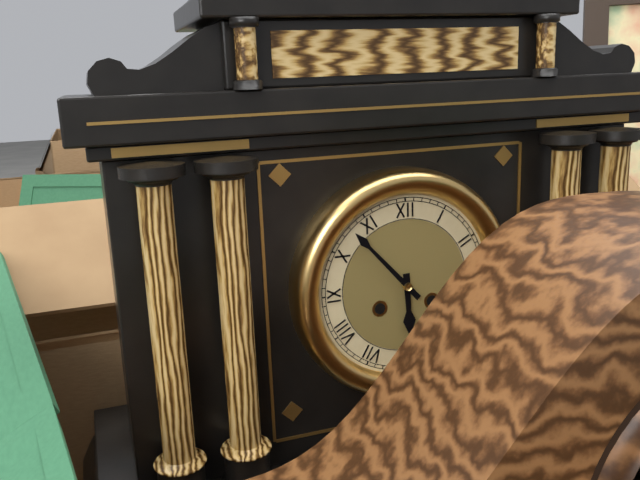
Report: 5:53
